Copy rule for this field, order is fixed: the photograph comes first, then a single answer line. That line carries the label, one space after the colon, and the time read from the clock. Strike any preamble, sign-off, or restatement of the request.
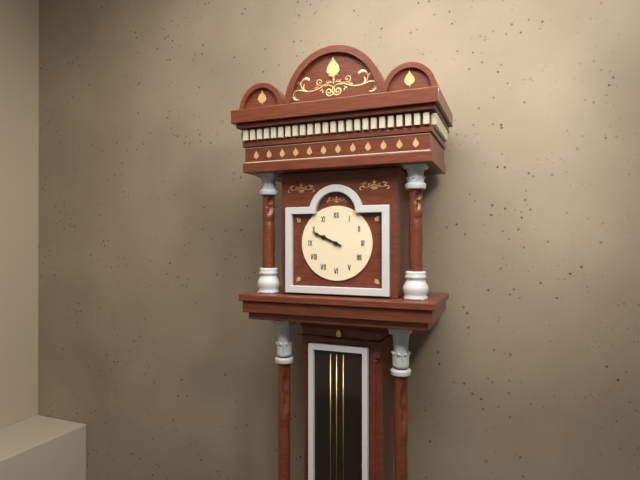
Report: 9:49
